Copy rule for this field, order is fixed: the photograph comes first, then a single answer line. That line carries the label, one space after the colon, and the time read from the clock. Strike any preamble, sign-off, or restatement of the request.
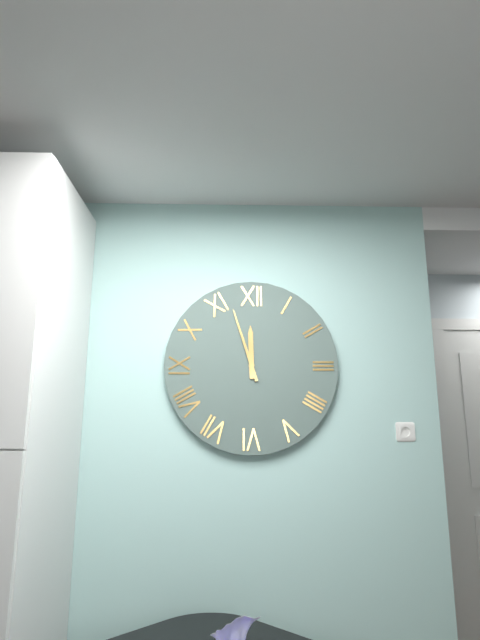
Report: 11:57
